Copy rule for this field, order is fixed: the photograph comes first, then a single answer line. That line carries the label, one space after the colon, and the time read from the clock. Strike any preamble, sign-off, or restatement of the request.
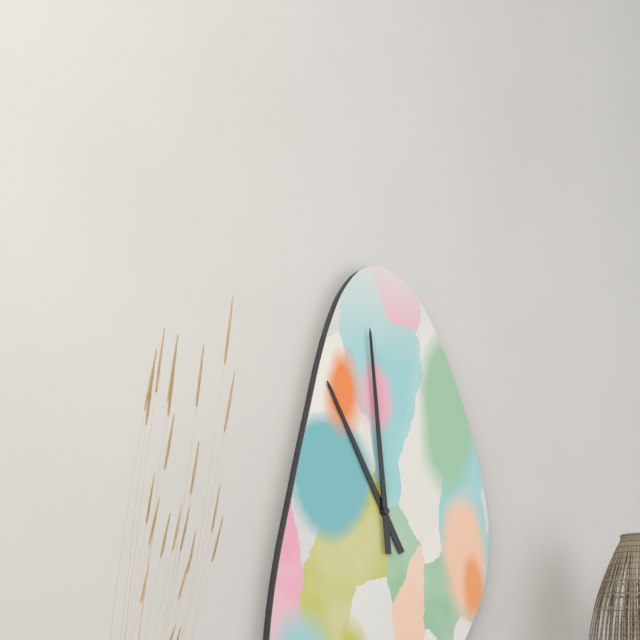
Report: 10:59
